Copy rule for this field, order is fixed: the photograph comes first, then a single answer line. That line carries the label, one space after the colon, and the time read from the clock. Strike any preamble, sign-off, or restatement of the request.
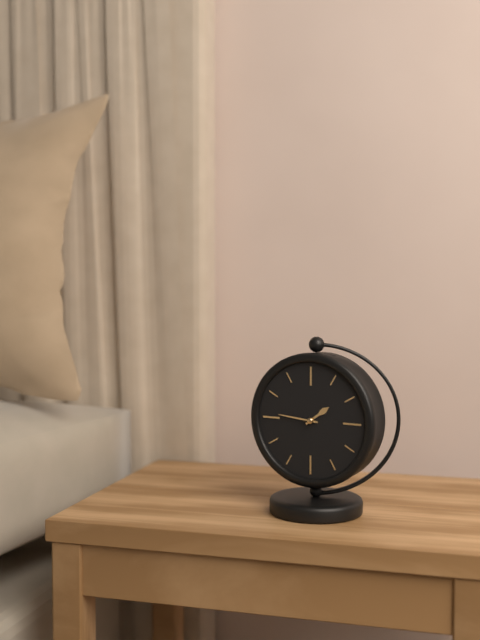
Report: 1:46
